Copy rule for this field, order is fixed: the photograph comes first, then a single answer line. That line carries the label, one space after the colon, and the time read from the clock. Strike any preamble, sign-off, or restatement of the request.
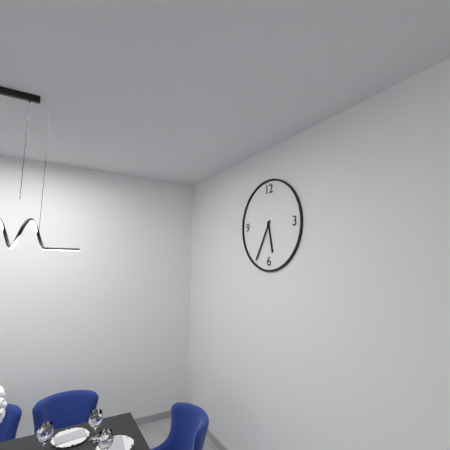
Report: 5:35
